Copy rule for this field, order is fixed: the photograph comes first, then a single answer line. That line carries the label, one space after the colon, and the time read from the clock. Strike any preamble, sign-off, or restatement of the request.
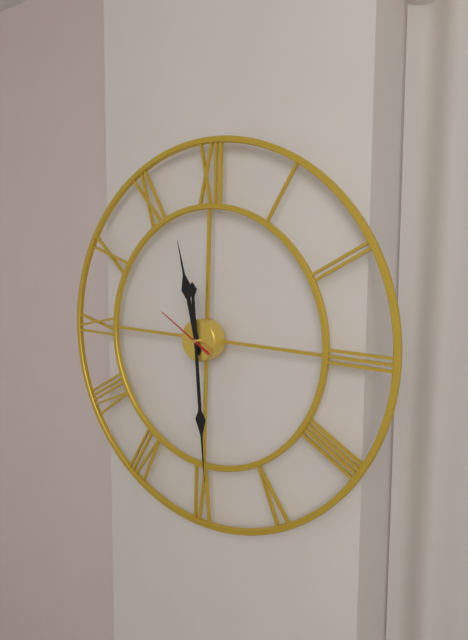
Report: 11:29:50
